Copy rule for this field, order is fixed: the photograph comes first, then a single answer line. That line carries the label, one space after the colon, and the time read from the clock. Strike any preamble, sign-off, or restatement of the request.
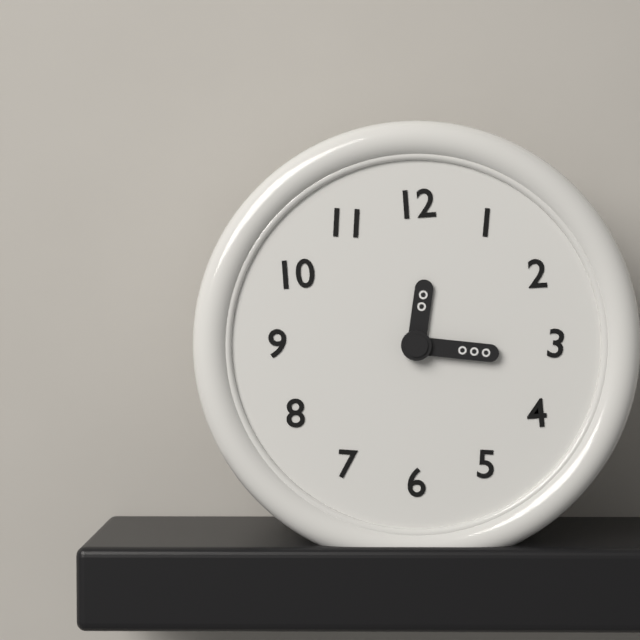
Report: 12:16
